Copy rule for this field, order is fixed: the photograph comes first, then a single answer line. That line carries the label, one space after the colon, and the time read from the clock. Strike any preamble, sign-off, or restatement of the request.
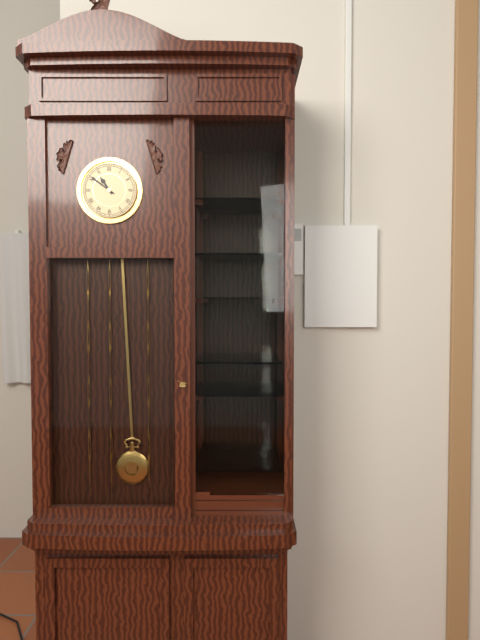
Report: 10:51
